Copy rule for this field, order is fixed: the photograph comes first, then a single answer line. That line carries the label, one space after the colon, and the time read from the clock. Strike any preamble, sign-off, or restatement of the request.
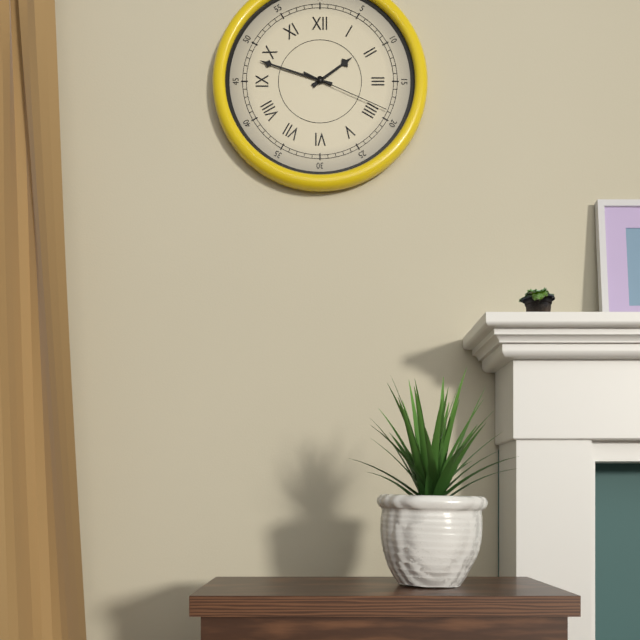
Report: 1:48:19
